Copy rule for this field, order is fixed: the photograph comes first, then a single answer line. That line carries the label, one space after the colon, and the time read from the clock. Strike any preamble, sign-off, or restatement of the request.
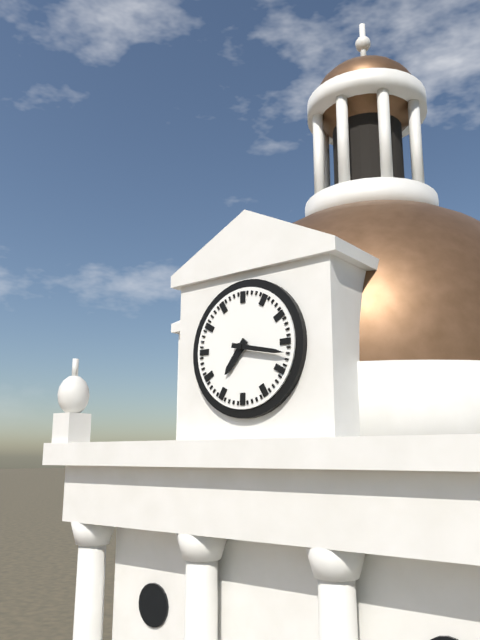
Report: 7:17
